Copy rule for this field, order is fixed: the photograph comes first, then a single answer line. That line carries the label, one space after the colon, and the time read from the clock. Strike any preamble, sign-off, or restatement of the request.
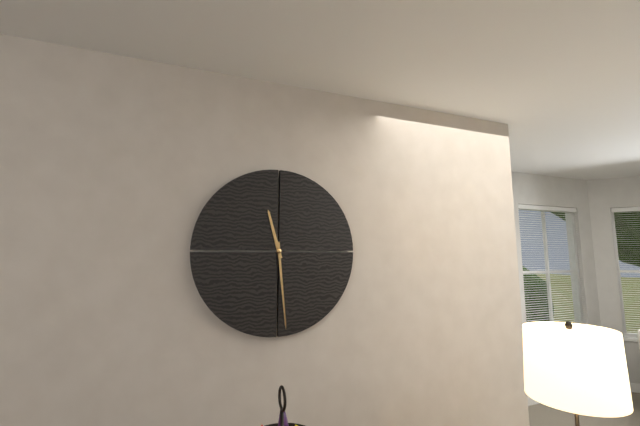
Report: 11:29
